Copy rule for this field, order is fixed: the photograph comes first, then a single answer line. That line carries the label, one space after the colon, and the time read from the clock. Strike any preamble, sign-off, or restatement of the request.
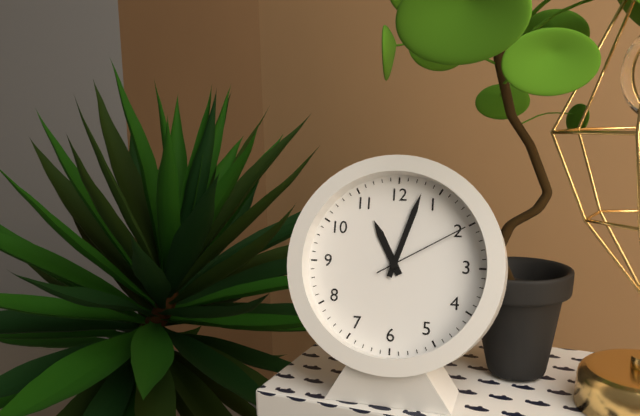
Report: 11:03:10
